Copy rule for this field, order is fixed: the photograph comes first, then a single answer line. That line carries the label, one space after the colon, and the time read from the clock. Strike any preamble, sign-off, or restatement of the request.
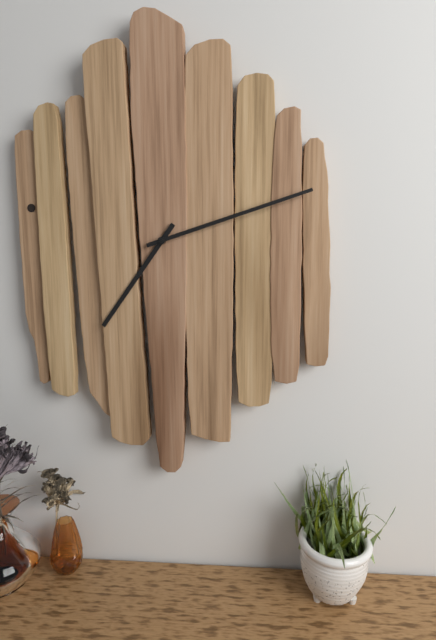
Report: 7:12
